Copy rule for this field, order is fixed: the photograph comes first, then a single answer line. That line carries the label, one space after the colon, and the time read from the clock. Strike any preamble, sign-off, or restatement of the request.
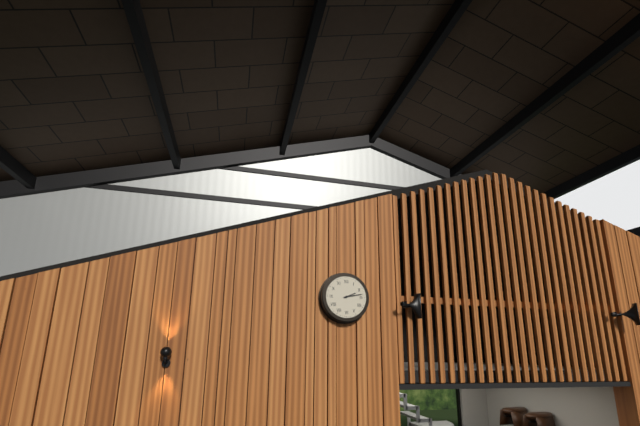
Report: 2:13
